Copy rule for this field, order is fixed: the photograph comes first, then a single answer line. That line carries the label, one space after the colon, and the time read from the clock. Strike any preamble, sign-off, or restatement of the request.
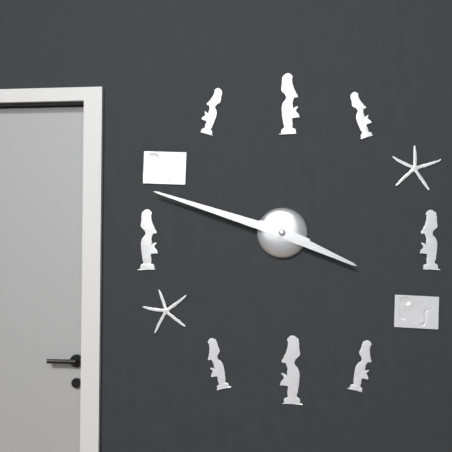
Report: 3:48
